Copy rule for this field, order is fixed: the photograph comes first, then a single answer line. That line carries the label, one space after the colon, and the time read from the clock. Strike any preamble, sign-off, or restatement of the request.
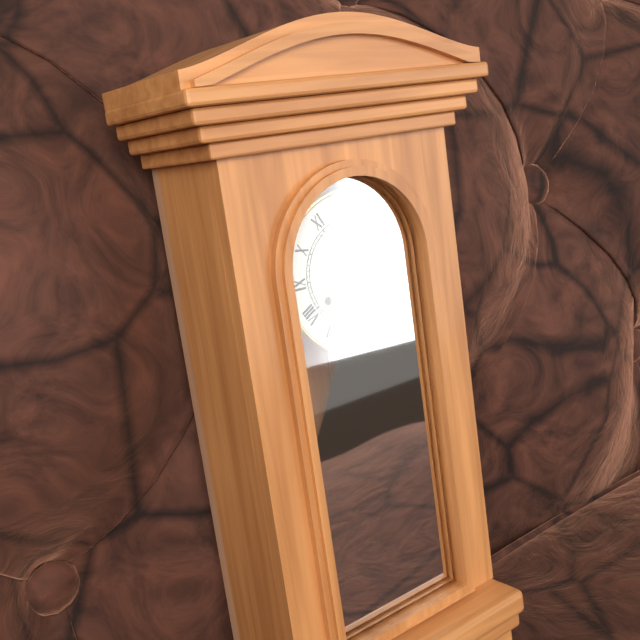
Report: 2:04
